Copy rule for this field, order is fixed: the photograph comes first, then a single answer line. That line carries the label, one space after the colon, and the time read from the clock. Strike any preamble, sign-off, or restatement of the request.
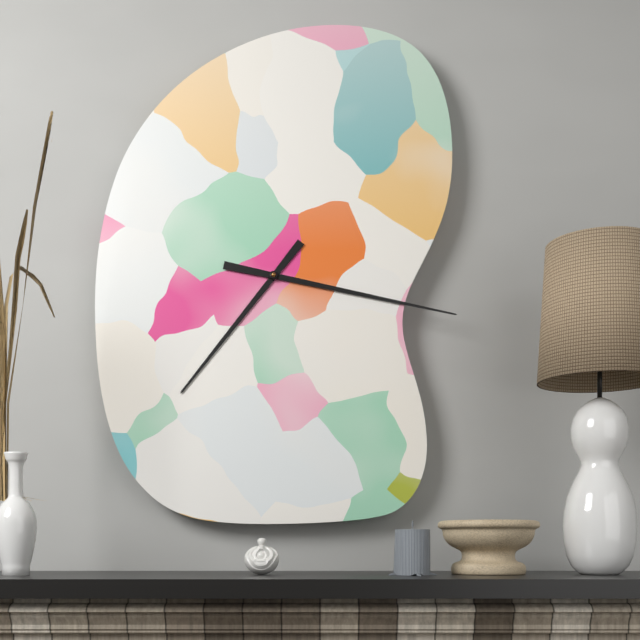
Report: 7:17
